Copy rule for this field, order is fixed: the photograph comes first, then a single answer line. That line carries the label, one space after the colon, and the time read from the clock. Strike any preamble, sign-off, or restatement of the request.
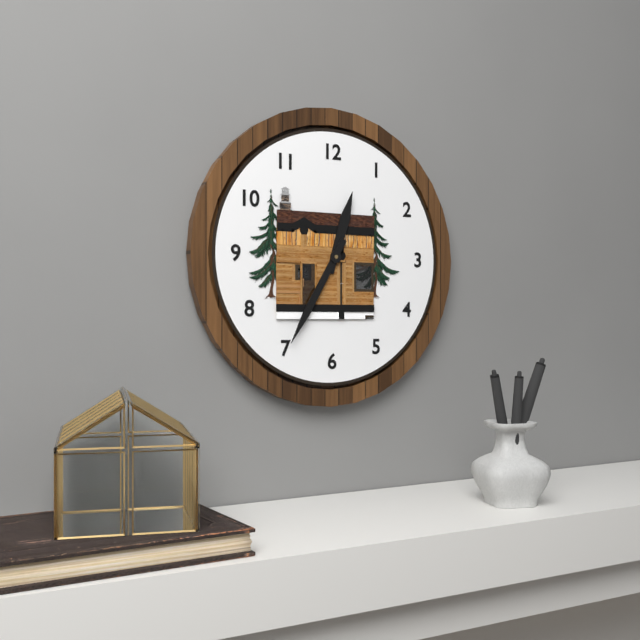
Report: 12:35
